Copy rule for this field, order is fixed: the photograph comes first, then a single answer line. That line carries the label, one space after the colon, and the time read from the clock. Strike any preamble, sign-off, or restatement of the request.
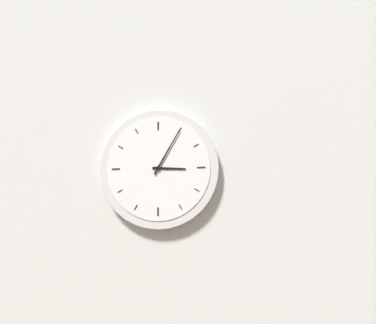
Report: 3:05
